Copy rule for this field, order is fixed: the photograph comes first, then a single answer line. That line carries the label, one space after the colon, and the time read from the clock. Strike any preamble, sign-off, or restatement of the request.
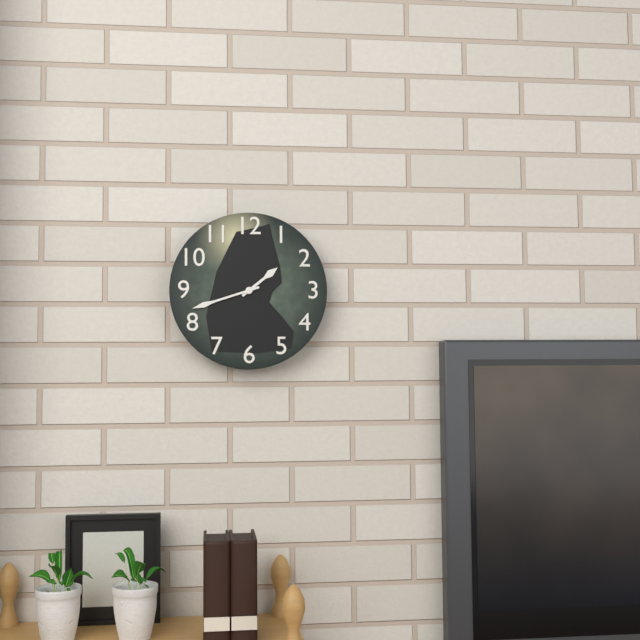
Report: 1:42
